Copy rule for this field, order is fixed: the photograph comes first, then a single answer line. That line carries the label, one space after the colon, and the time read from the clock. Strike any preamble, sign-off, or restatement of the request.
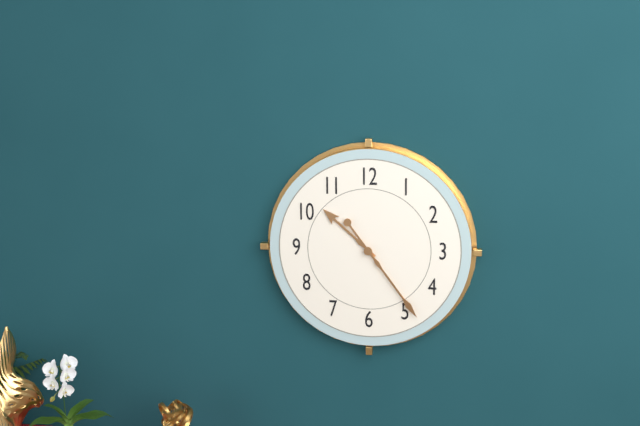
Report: 10:24
